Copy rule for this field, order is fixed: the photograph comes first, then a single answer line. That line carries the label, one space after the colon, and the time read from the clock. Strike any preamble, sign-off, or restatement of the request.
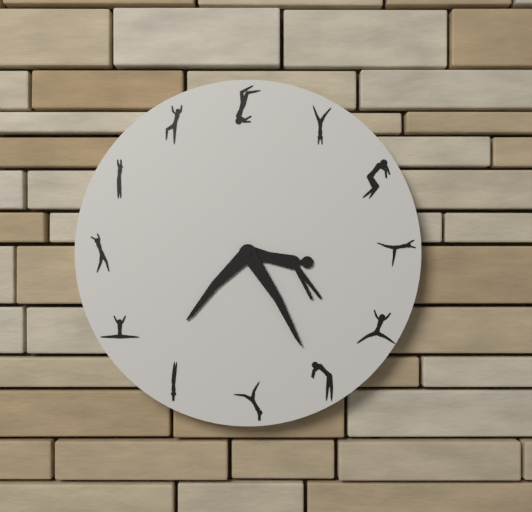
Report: 7:25
